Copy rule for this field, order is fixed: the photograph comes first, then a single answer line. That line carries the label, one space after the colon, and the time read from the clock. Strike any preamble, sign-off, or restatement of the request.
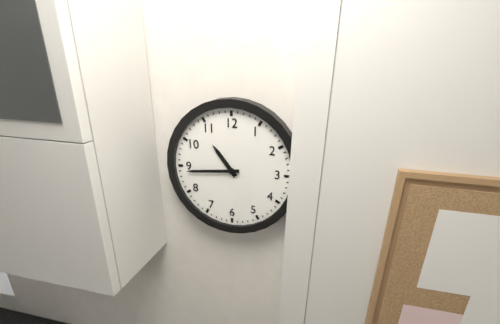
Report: 10:44
